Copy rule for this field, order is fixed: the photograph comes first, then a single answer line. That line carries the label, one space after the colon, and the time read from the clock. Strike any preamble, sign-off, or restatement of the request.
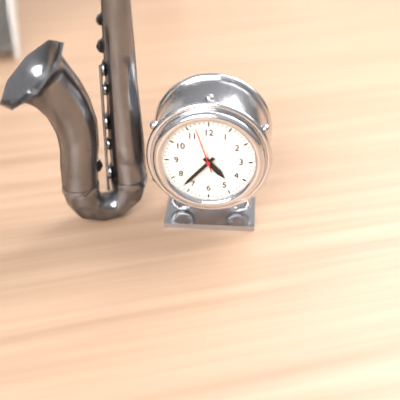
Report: 4:37
